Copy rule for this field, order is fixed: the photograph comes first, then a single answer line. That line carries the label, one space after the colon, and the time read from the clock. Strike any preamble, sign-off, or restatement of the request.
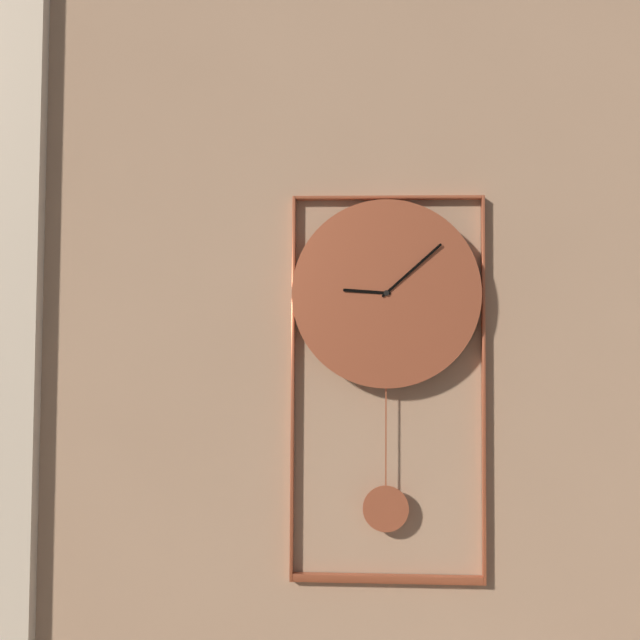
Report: 9:08
